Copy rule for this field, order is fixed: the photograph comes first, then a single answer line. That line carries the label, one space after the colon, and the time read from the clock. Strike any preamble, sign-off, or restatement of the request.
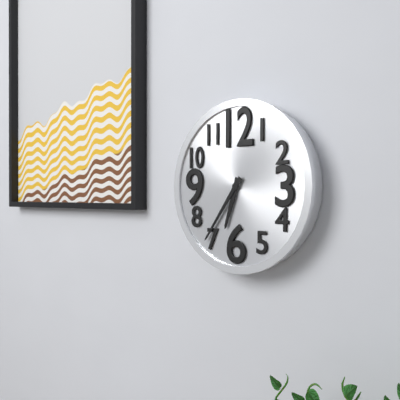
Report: 6:36
